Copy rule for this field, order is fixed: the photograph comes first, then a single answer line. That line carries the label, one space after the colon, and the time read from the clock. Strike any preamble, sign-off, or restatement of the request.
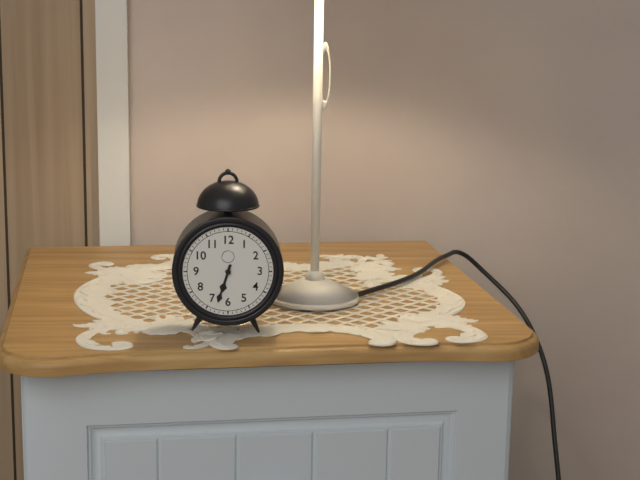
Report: 6:33
